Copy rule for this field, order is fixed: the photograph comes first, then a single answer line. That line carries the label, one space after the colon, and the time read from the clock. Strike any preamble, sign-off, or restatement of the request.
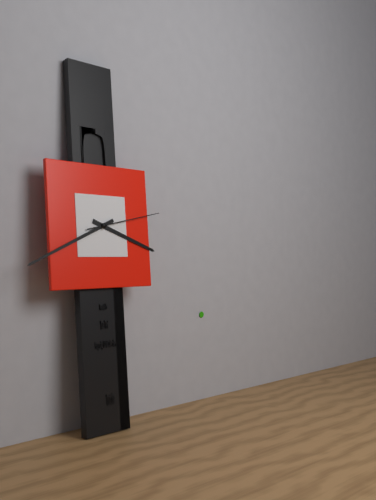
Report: 3:41:13
